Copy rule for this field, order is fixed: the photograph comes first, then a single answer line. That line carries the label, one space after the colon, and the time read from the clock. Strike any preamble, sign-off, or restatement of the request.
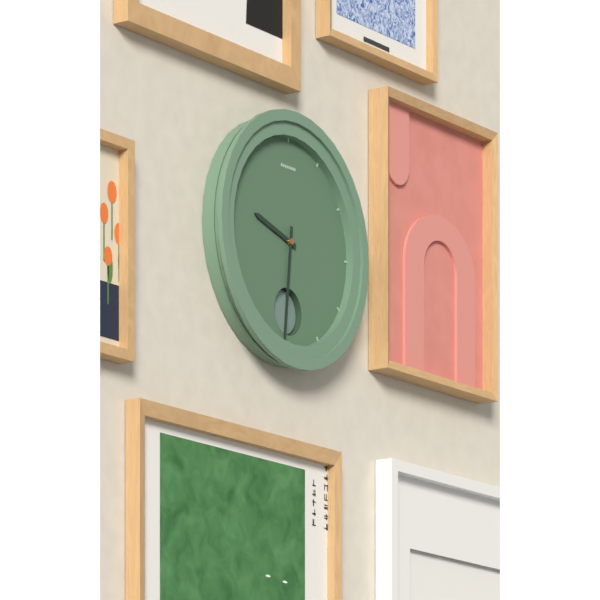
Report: 9:31
